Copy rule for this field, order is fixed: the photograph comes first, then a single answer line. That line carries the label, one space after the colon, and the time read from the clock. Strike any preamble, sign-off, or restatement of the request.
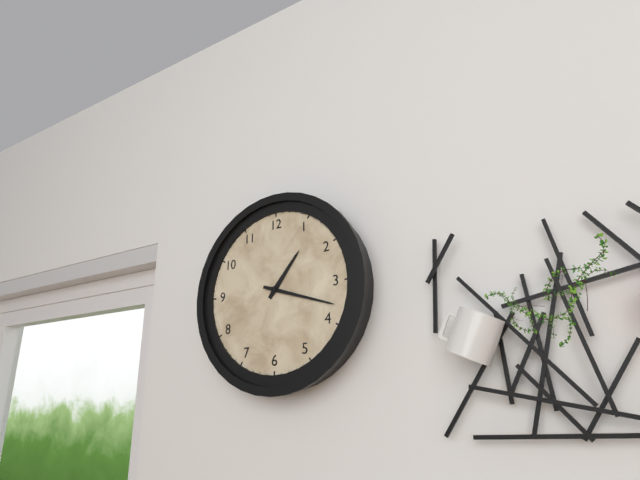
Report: 1:18
